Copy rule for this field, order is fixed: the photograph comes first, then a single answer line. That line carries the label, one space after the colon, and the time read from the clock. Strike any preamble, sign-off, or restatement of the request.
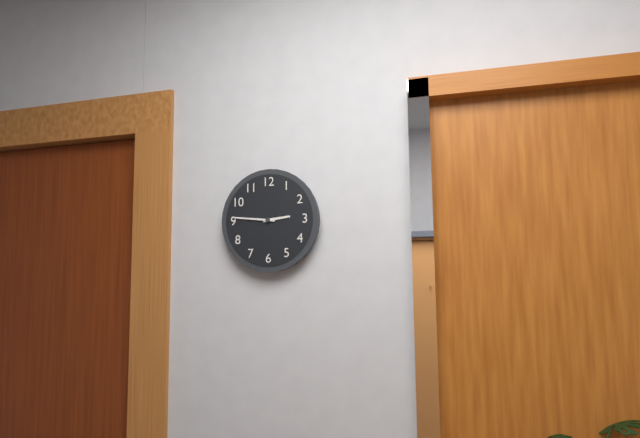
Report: 2:46
